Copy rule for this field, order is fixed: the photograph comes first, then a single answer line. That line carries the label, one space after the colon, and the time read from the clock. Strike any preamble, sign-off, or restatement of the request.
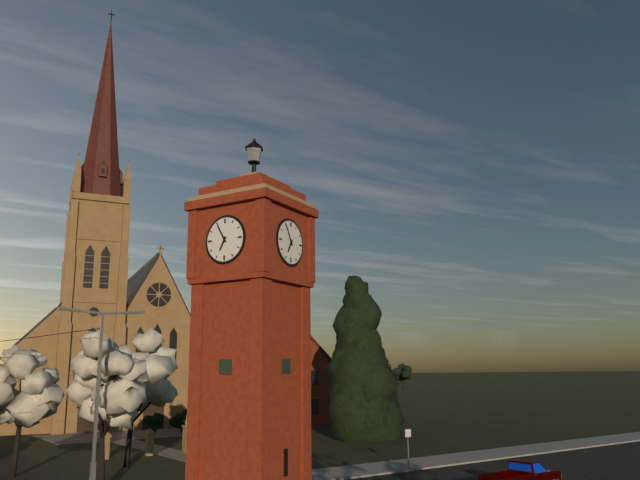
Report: 6:55
